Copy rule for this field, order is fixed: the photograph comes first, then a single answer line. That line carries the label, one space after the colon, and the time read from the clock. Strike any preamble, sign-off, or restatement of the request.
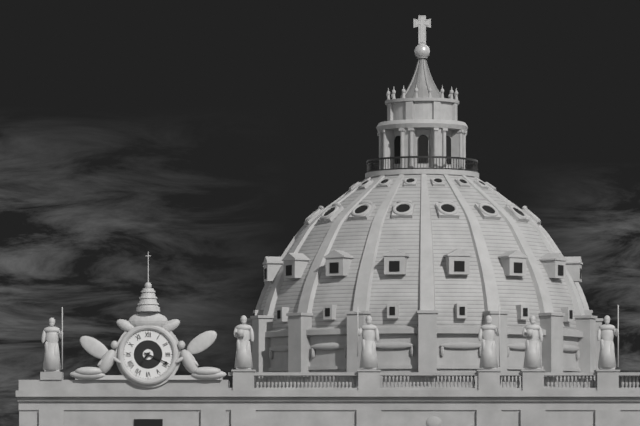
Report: 7:19
